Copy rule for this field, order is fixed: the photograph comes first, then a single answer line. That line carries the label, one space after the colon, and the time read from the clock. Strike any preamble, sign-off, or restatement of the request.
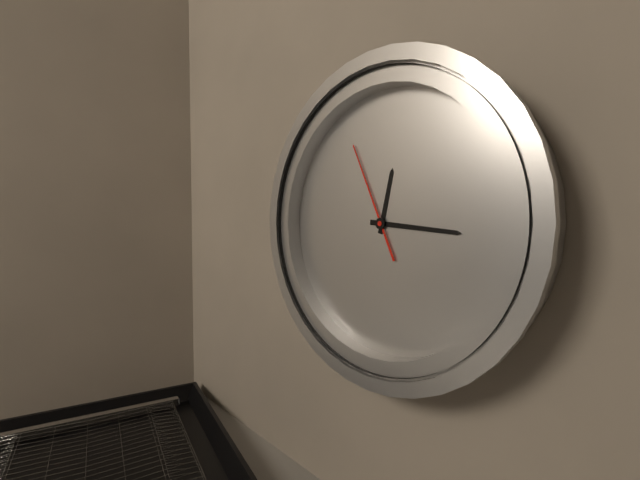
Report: 12:15:55
